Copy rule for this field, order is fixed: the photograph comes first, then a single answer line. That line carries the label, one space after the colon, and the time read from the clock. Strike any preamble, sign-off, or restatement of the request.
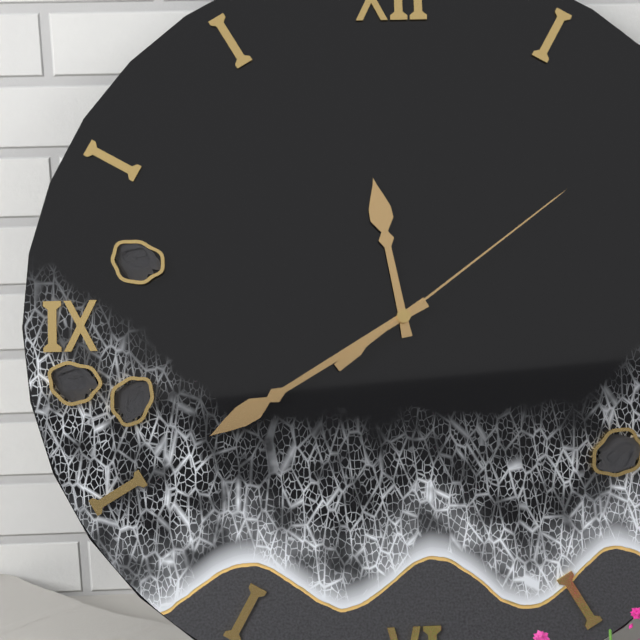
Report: 11:40:09
